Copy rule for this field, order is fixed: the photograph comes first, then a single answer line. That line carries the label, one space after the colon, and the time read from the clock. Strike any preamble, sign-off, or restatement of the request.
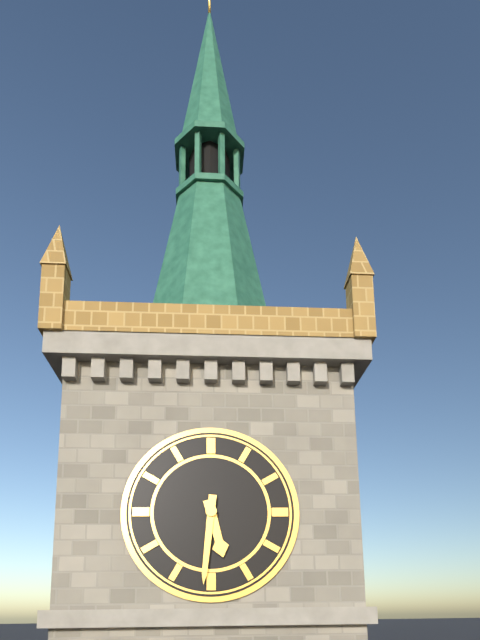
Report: 5:31
